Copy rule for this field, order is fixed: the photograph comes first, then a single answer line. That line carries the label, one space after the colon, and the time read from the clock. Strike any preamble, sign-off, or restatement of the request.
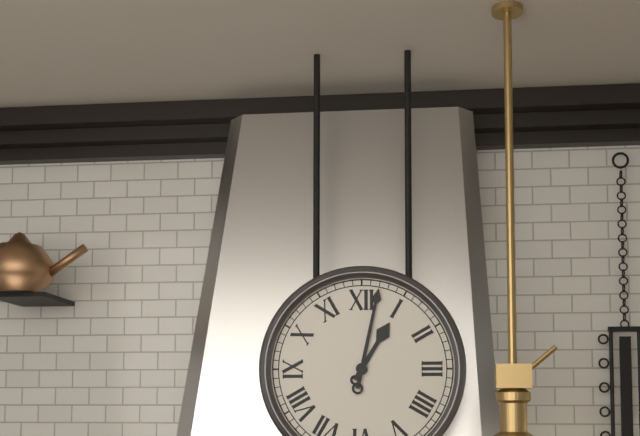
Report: 1:02
